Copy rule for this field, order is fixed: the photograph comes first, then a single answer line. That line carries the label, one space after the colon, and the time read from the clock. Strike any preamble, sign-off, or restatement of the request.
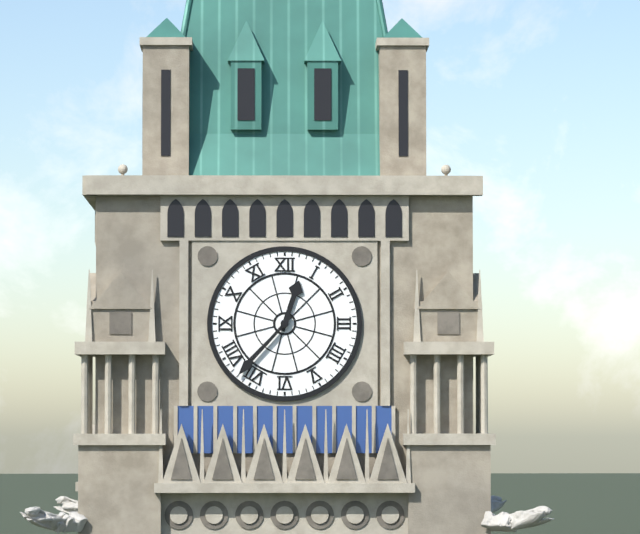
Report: 12:37
